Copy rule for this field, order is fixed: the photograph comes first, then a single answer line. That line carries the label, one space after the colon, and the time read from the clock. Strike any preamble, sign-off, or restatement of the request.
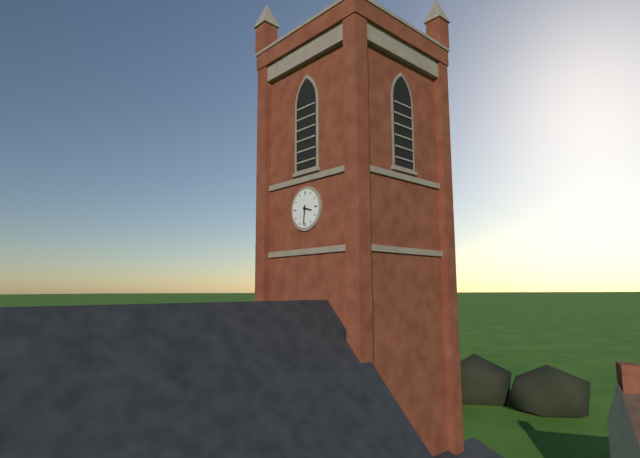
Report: 3:31
